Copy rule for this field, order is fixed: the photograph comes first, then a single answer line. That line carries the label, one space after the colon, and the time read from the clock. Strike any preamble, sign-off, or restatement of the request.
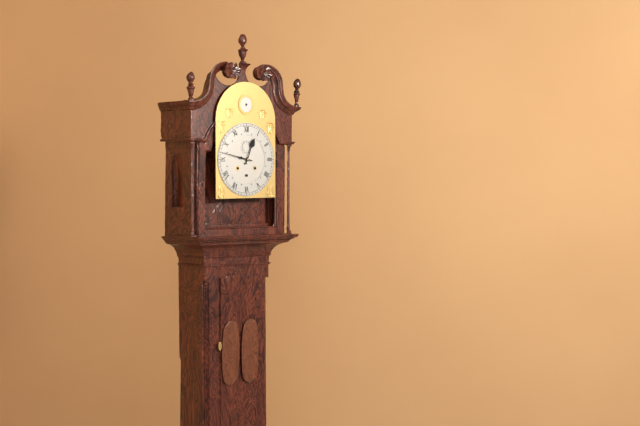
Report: 12:47
